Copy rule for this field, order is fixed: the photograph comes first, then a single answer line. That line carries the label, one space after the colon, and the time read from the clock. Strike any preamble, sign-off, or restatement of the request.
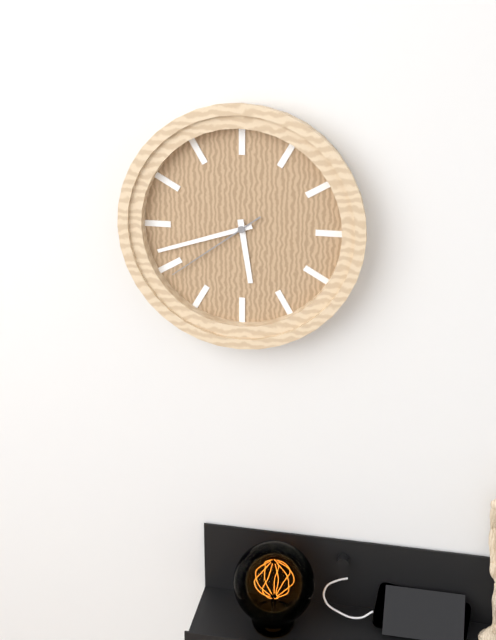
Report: 5:42:39
